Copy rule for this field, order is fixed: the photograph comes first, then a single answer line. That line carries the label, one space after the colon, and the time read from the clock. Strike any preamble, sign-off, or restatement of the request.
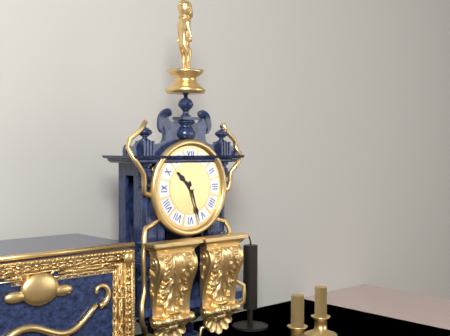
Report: 10:27
